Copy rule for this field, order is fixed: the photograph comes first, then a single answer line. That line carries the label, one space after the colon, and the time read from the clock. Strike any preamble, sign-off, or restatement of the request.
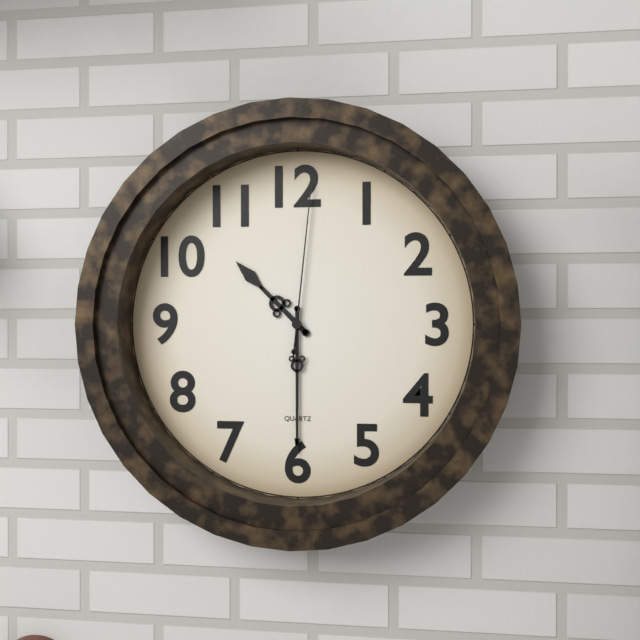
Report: 10:30:01
